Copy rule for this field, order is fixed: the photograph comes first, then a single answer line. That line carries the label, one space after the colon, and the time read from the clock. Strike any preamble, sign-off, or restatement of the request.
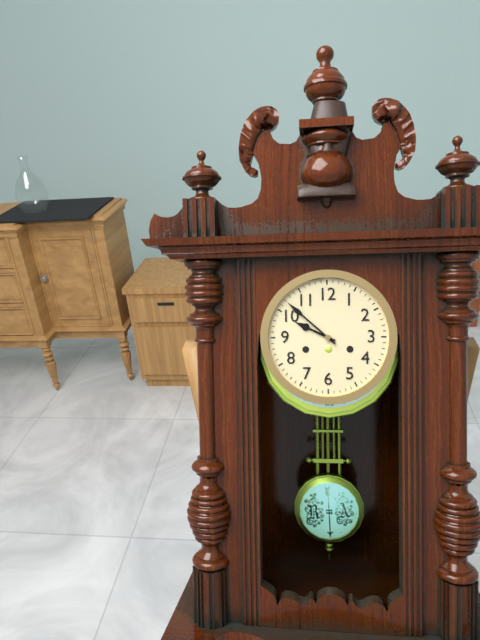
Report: 9:52
